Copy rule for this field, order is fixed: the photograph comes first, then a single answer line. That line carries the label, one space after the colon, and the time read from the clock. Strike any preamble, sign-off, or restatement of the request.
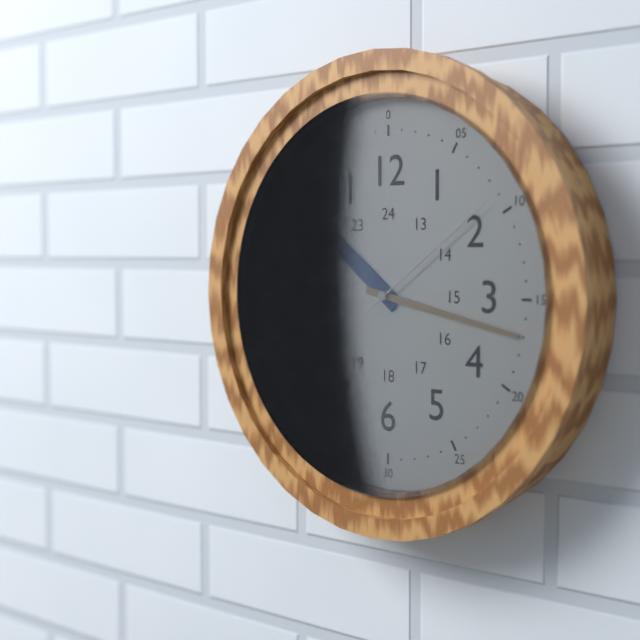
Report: 10:17:09
